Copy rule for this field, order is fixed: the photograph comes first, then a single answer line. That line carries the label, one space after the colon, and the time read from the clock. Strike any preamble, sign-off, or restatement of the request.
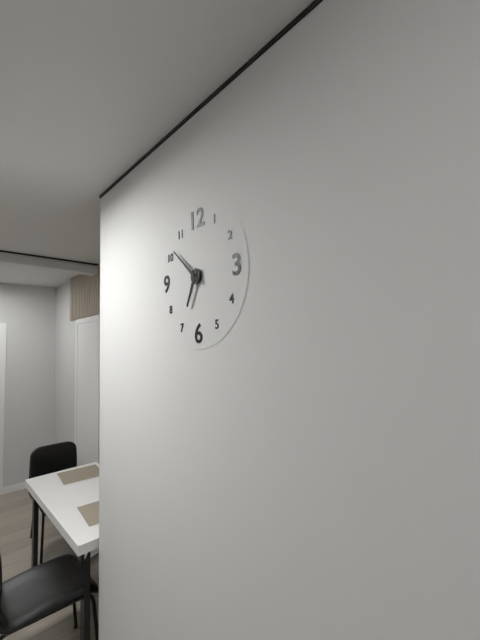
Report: 6:52
